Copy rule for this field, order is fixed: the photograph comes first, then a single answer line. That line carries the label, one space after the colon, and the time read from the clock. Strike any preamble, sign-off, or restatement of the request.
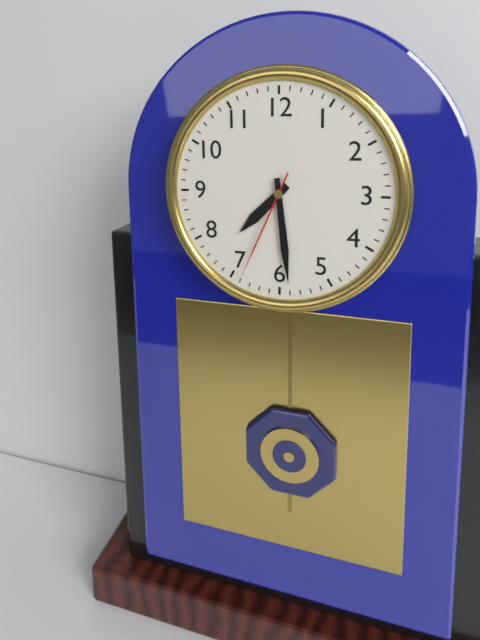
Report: 7:29:34
